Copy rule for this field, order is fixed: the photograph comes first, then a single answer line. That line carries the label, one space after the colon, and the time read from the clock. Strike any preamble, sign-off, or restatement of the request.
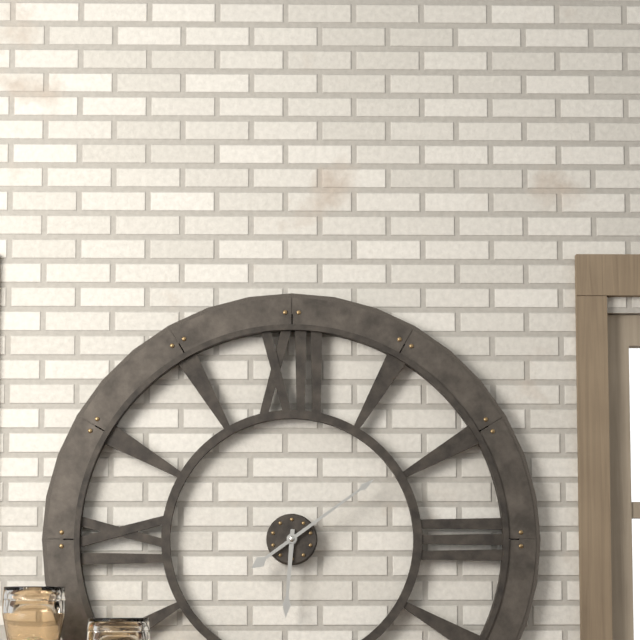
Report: 6:09
